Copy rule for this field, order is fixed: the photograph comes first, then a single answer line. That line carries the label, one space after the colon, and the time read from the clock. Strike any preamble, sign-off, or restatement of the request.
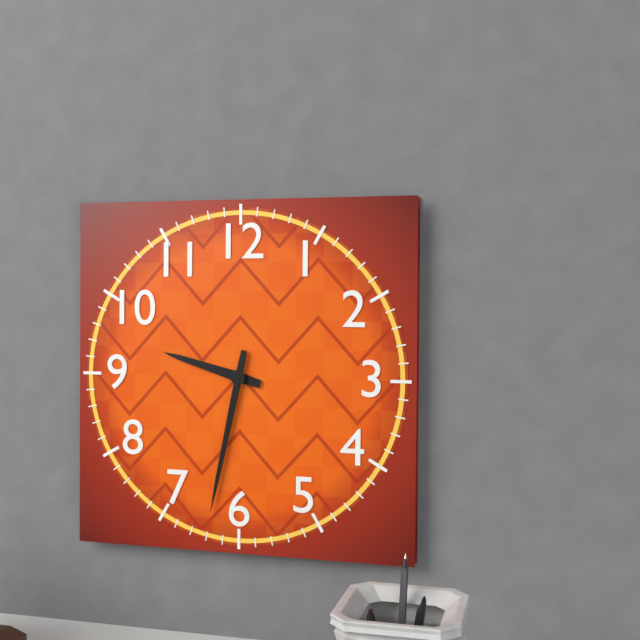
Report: 9:32
